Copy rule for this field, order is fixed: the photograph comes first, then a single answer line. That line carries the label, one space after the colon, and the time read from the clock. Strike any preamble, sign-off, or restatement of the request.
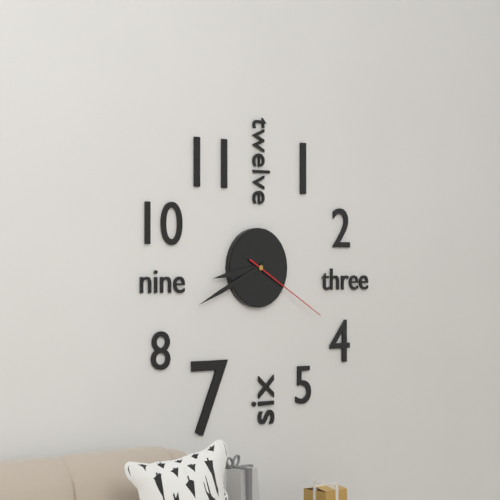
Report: 8:41:20
